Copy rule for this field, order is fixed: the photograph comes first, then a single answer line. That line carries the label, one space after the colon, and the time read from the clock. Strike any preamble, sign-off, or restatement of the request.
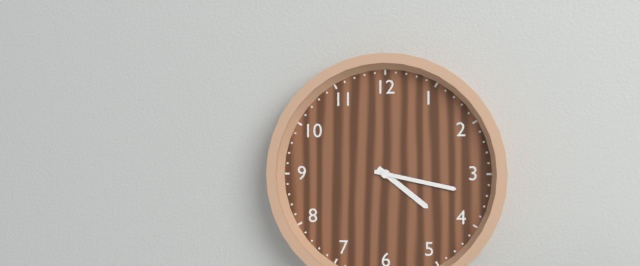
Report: 4:17
